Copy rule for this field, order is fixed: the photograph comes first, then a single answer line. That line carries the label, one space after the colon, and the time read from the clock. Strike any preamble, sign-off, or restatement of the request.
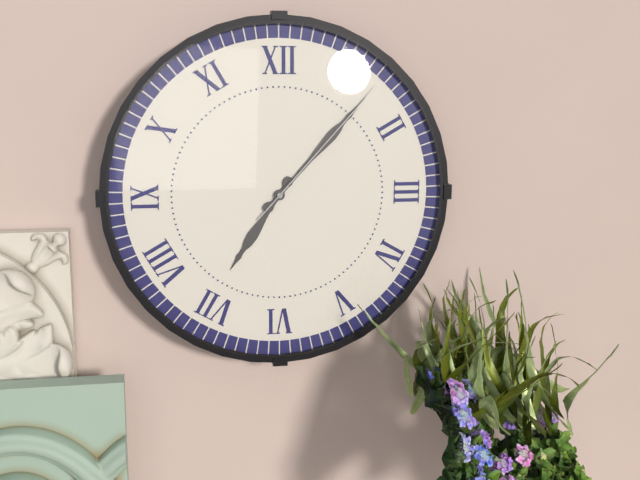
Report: 7:07:07
